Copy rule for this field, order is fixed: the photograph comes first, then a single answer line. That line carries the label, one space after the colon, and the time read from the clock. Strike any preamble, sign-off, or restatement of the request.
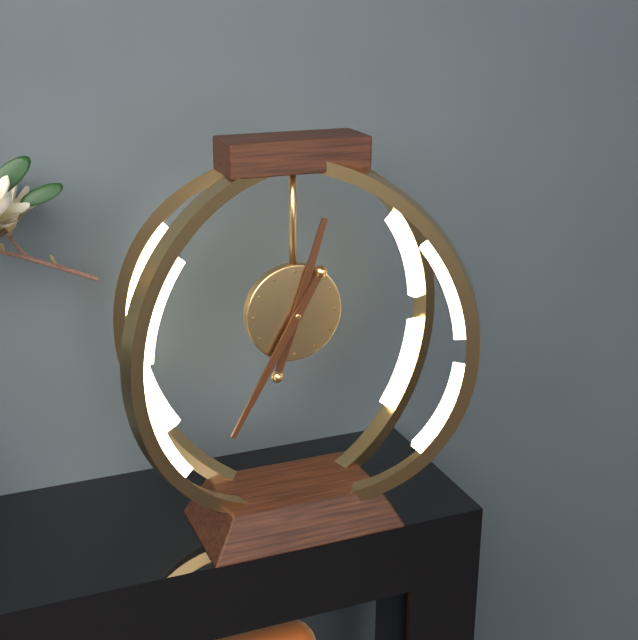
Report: 12:35
